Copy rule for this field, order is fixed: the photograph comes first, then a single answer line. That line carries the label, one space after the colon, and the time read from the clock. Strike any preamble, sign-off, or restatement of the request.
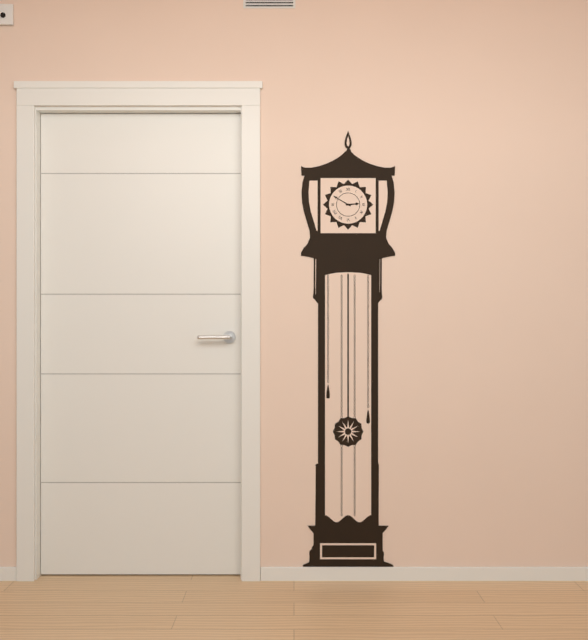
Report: 2:50
